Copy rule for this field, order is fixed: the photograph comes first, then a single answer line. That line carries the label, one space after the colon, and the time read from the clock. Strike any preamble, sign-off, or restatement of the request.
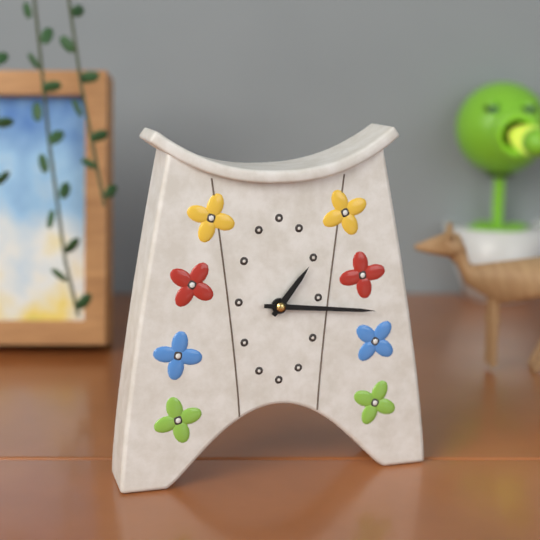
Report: 1:16
